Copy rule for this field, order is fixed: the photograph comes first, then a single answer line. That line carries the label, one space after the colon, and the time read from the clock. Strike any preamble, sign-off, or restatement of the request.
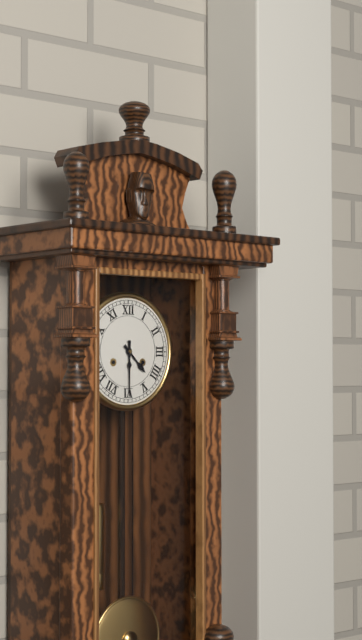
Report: 4:30
